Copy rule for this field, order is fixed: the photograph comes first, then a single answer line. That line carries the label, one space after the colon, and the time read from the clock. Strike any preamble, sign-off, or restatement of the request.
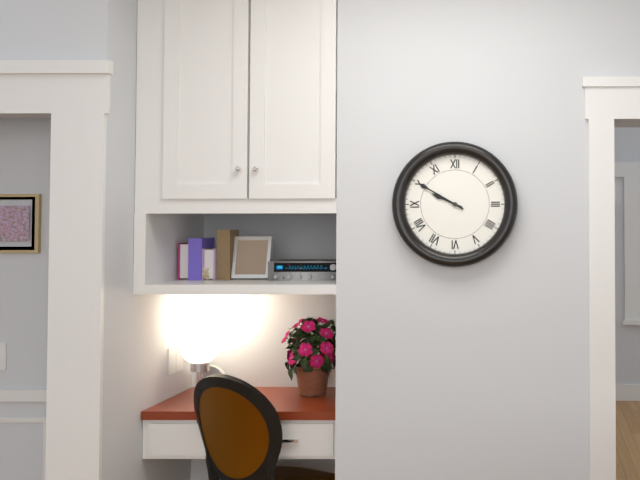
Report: 9:50
